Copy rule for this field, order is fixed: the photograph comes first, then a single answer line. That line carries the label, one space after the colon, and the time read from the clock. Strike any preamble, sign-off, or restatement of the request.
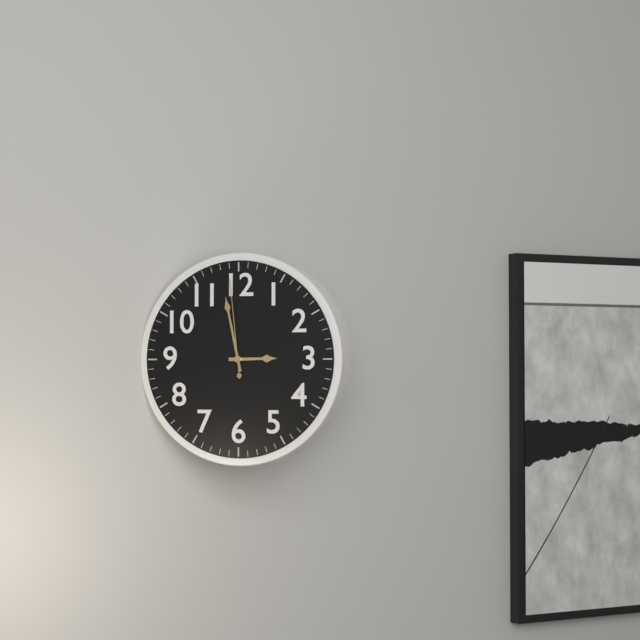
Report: 2:58:59
